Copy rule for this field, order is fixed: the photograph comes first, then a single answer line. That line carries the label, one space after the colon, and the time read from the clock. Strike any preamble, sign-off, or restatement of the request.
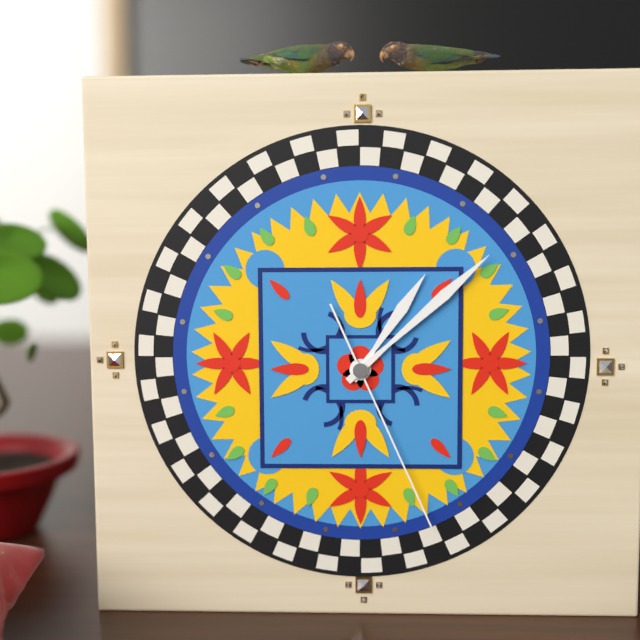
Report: 1:08:26
